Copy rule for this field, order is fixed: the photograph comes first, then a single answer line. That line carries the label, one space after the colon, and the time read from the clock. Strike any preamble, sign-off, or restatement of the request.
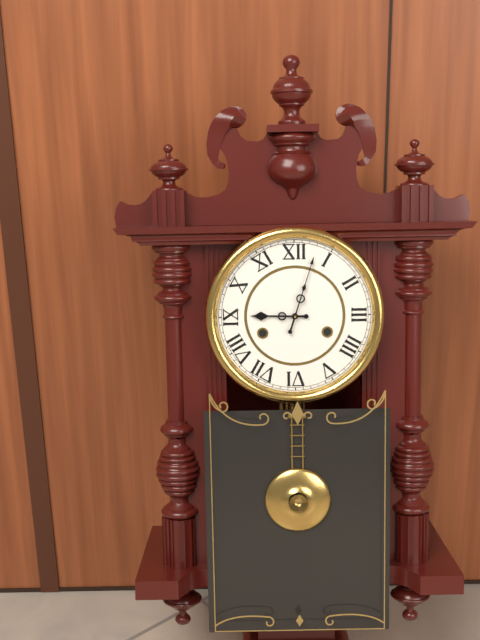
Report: 9:03
